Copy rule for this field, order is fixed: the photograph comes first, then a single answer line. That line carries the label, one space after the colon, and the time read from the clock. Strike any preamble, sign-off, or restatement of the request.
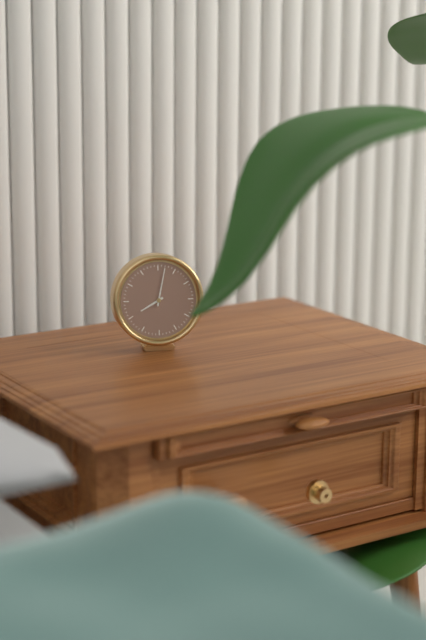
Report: 8:02
